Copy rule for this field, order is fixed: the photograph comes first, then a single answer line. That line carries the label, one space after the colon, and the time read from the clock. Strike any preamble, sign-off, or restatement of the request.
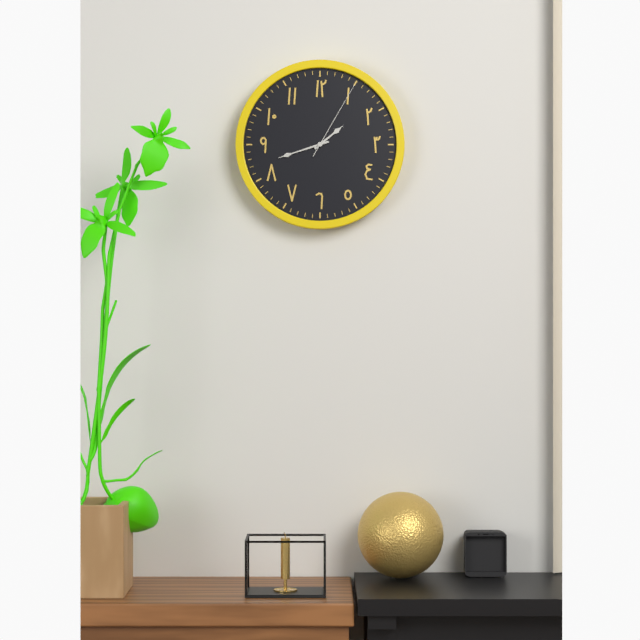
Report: 1:42:05
